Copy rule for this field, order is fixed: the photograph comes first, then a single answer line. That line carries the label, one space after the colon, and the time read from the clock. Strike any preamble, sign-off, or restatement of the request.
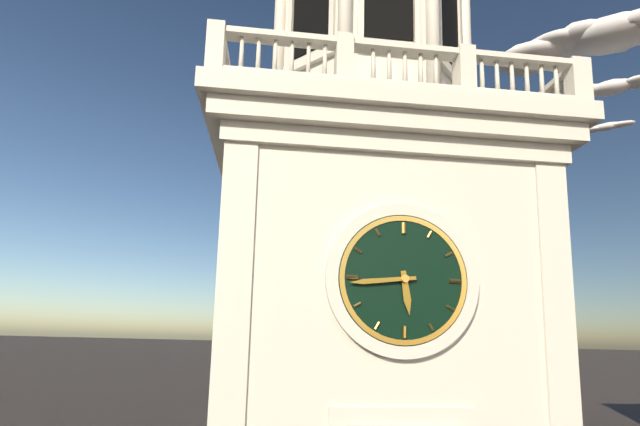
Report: 5:44
